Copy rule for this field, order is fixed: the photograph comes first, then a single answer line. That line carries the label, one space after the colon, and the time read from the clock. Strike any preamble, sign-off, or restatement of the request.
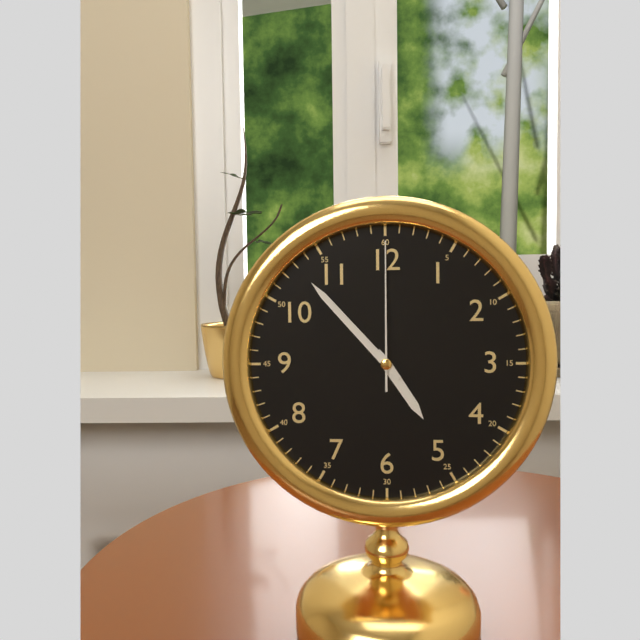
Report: 4:53:00
